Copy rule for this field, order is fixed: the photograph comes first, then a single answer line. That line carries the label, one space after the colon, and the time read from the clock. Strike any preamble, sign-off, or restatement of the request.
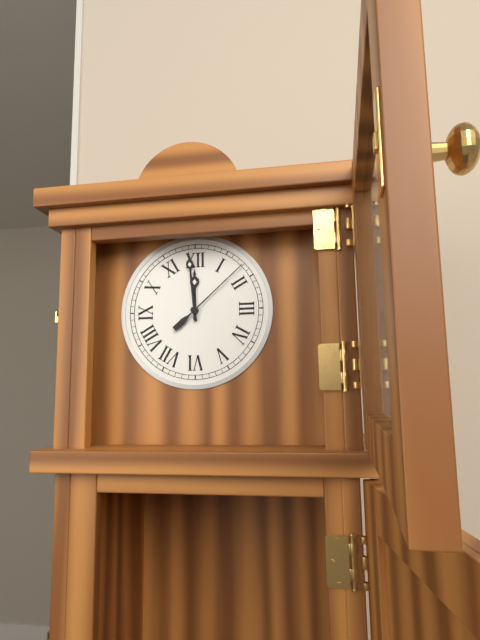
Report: 11:59:08
